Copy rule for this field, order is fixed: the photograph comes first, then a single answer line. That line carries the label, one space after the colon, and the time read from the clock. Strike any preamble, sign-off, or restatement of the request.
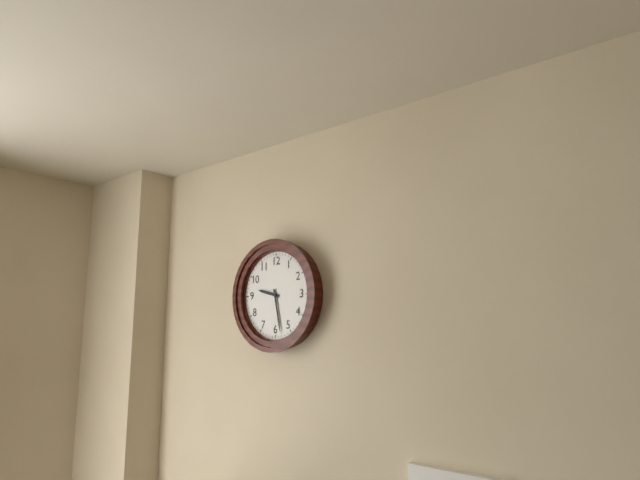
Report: 9:28
